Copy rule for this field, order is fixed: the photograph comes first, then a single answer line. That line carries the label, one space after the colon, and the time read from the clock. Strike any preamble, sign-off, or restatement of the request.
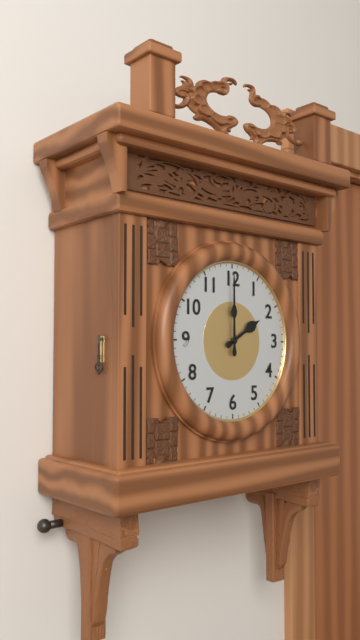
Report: 2:00
